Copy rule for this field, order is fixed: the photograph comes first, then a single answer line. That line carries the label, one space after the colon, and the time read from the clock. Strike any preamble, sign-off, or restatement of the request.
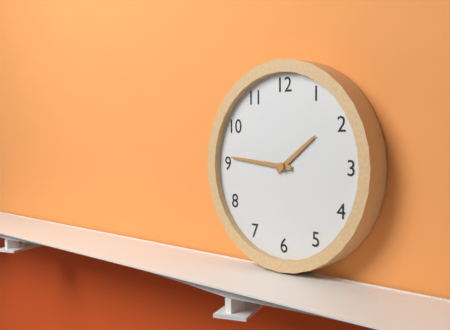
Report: 1:46
